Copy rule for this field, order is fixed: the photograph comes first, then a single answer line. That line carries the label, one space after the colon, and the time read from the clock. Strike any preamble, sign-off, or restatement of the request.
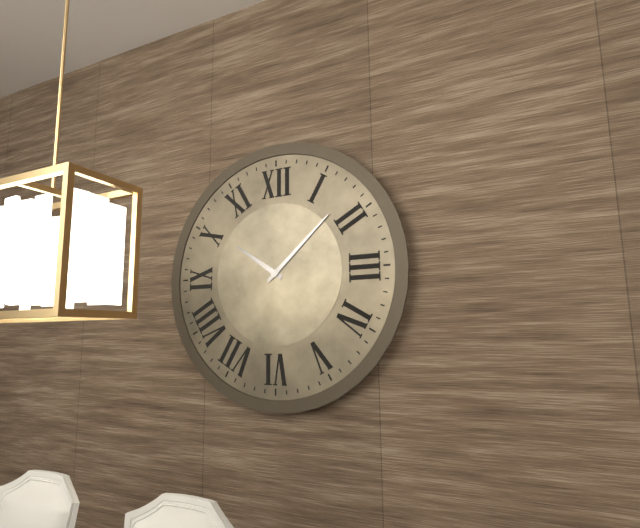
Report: 10:08
